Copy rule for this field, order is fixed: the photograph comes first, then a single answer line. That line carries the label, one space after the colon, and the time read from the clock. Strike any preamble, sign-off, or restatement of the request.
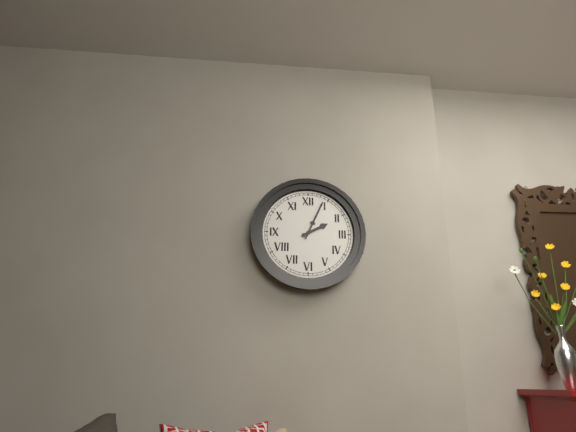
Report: 2:04
